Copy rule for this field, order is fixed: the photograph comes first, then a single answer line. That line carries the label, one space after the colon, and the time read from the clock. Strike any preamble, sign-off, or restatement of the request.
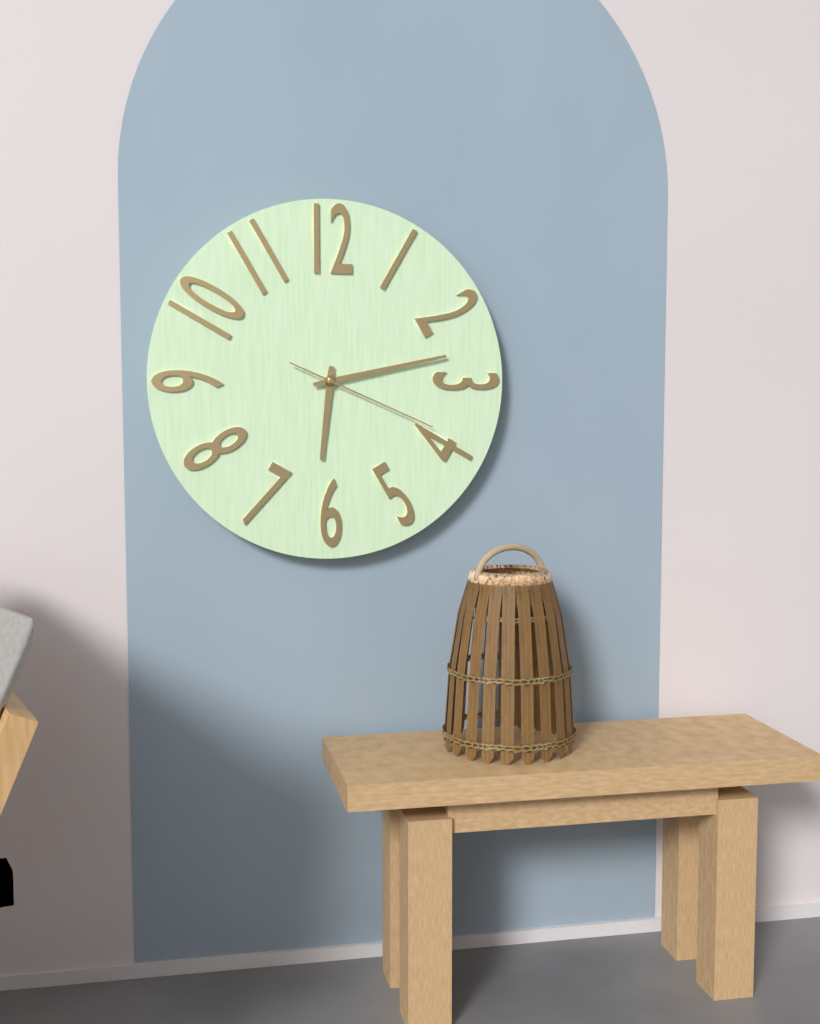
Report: 6:13:19
